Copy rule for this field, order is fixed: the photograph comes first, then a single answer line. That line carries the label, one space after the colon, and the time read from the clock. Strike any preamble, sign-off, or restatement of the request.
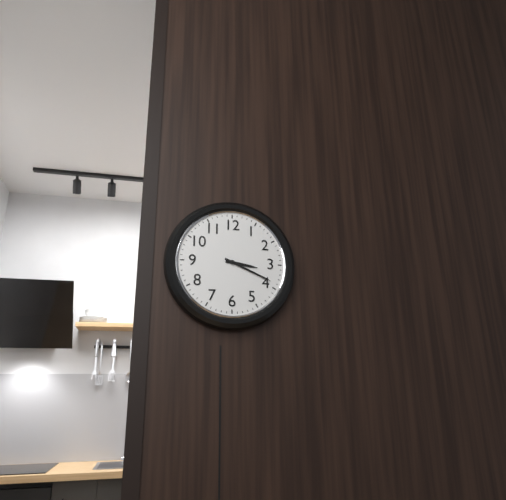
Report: 3:19
